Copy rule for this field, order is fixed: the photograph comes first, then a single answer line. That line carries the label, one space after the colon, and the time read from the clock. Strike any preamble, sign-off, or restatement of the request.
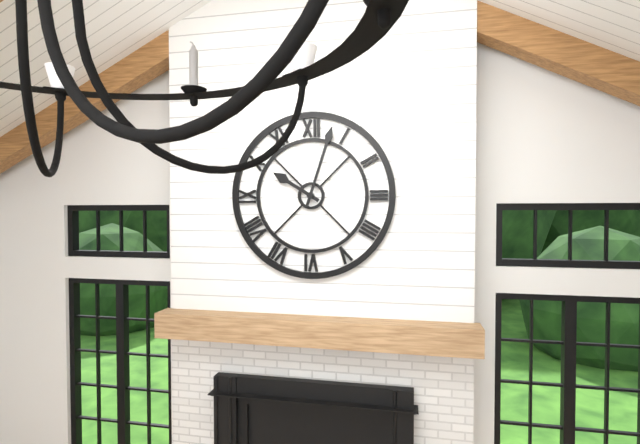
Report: 10:03
